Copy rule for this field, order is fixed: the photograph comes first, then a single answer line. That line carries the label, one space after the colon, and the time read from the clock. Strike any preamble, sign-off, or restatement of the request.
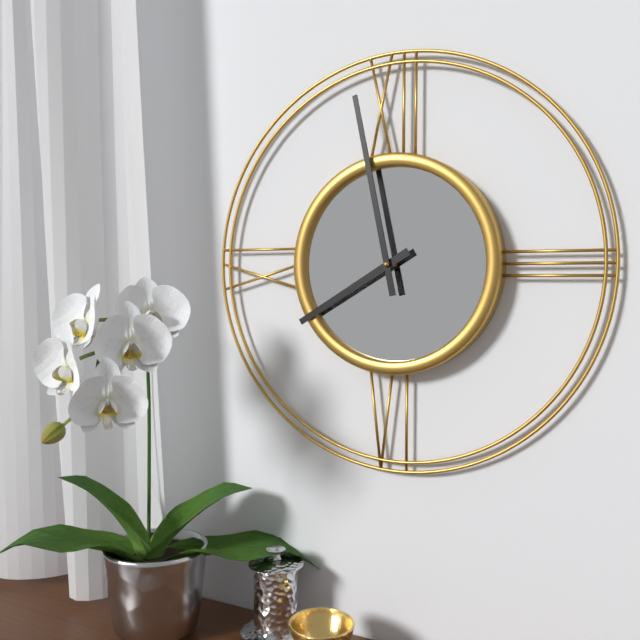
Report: 7:58
